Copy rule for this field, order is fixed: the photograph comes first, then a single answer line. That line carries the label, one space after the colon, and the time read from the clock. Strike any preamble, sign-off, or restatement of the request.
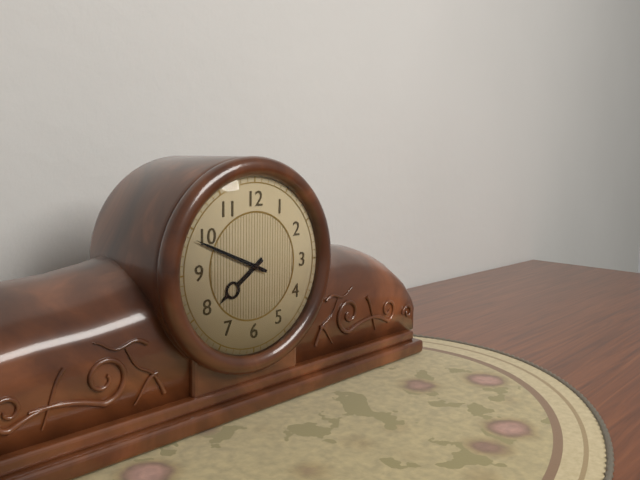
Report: 7:49
